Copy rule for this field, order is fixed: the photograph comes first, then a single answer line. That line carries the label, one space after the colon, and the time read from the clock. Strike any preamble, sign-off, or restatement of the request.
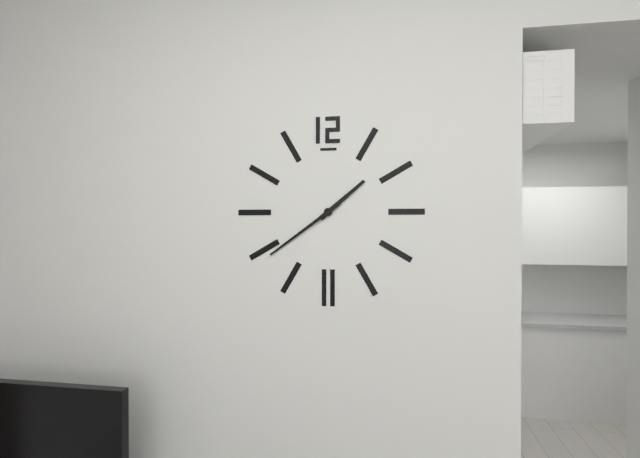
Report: 1:39
